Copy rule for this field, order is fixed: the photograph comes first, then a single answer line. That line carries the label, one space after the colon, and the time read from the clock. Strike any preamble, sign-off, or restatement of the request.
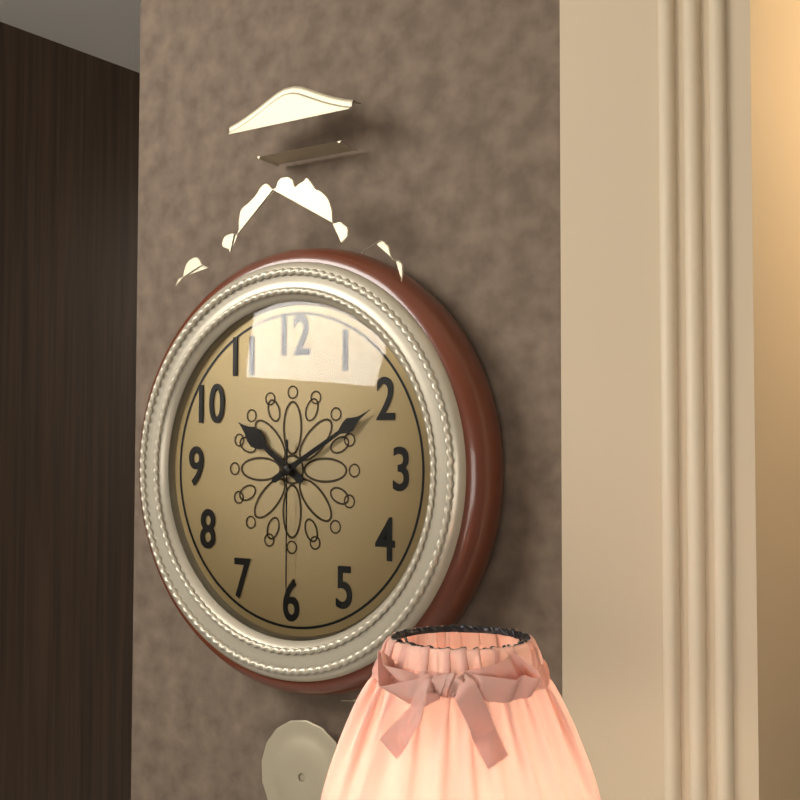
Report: 10:10:30
